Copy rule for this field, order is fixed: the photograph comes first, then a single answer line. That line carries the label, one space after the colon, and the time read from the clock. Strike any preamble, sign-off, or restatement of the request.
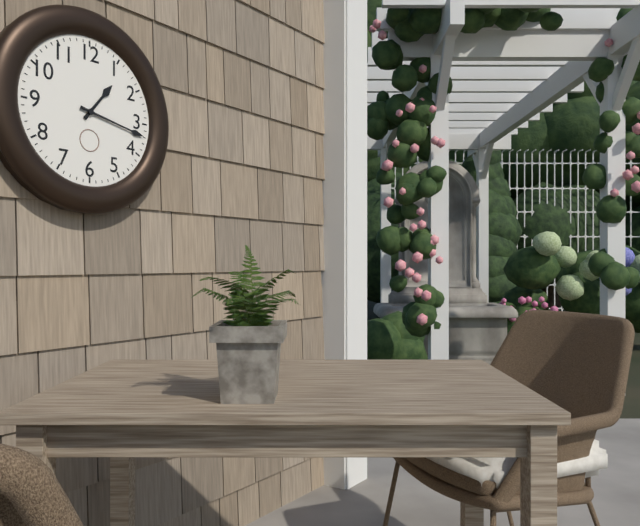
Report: 1:17
